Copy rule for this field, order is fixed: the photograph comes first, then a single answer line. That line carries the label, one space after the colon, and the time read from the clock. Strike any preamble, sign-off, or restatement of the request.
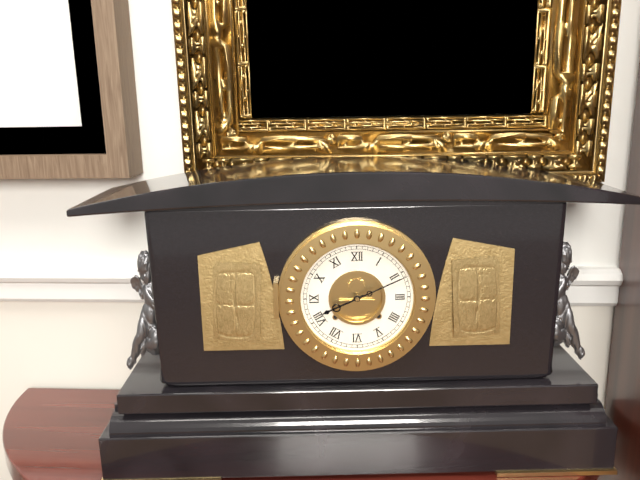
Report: 8:11
